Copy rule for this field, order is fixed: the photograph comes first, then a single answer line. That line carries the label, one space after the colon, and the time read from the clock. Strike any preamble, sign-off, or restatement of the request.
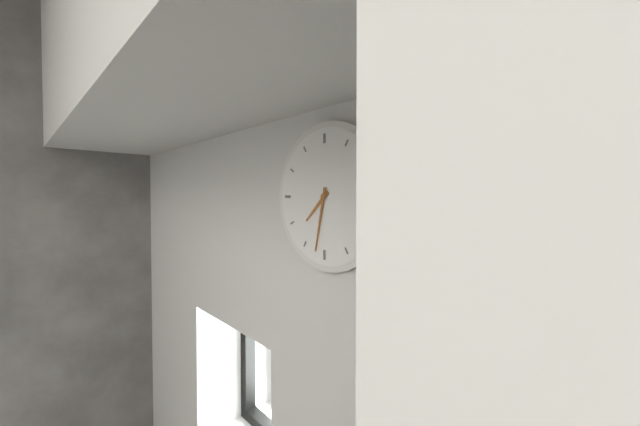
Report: 7:32
